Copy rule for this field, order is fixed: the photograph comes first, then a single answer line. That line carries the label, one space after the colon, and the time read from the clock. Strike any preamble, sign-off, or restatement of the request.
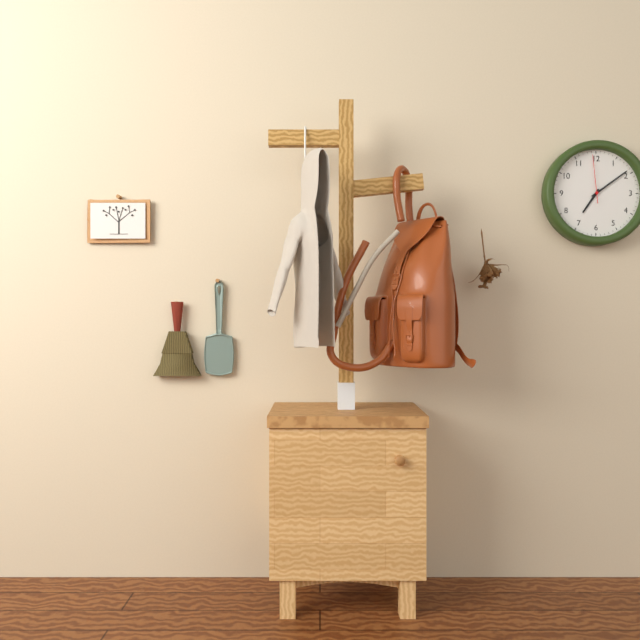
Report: 7:09
